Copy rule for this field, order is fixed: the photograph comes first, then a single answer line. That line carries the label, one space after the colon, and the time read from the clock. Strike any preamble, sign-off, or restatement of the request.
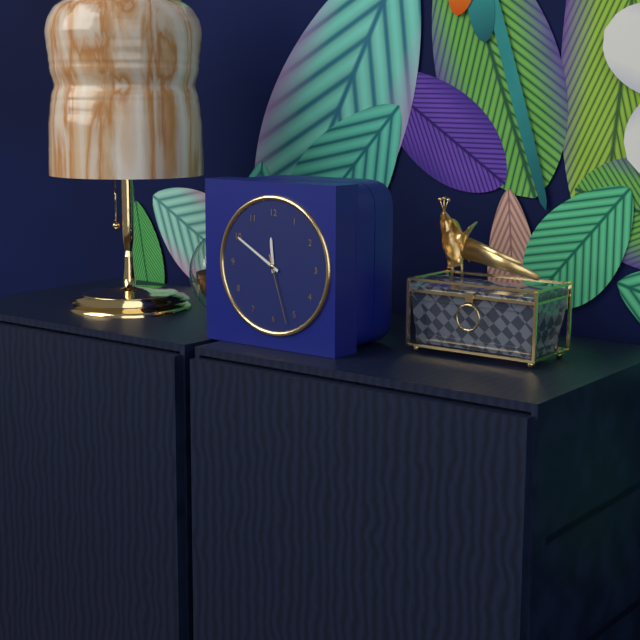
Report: 11:50:27
